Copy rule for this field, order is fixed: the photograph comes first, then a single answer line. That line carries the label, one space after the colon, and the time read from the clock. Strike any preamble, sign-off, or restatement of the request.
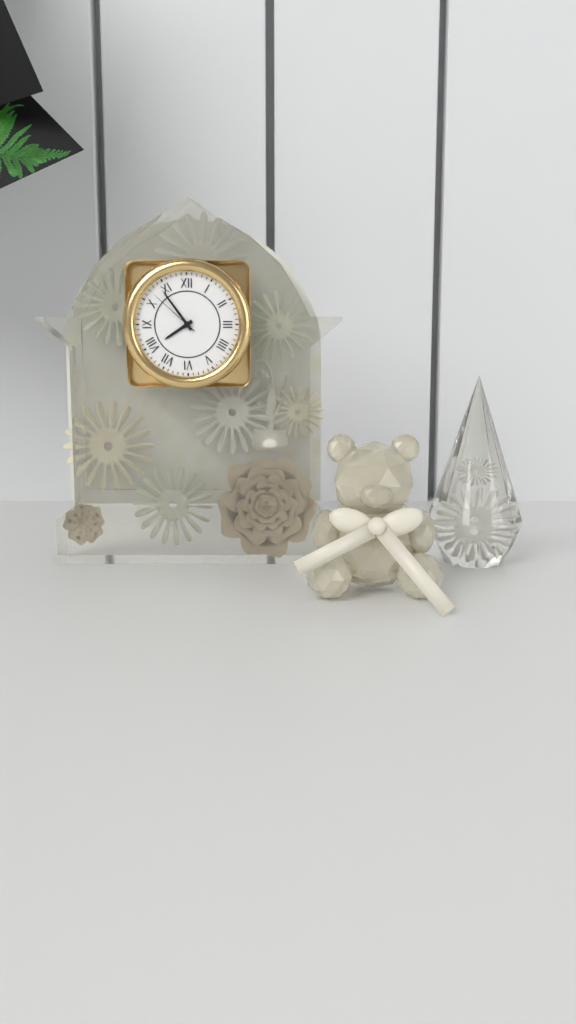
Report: 7:54:52
